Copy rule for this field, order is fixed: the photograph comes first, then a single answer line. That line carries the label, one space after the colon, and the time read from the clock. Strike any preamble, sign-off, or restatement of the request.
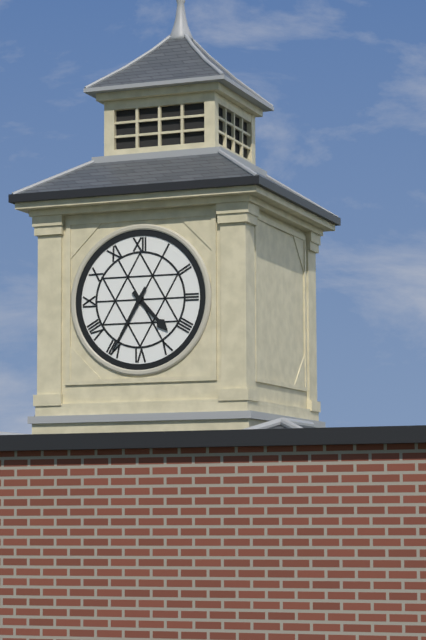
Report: 4:35
